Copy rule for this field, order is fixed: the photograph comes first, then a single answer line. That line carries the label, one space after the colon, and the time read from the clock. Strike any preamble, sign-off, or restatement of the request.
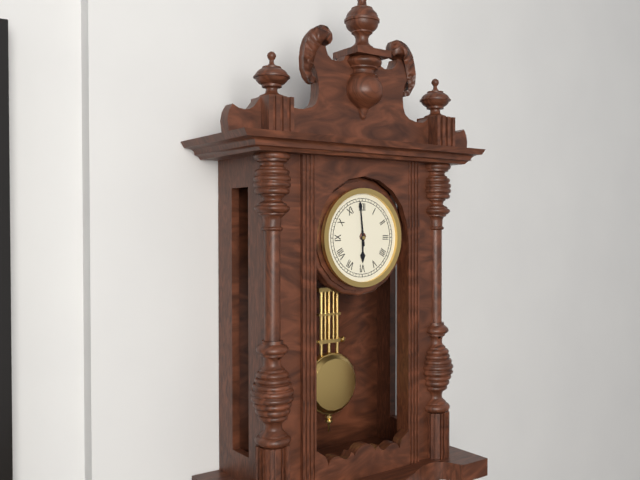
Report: 5:59
